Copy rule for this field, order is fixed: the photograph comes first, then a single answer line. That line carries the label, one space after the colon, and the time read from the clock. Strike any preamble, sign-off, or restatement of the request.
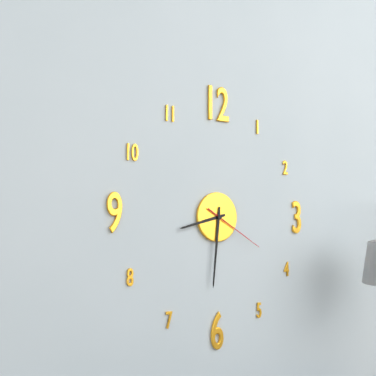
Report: 8:31:20
